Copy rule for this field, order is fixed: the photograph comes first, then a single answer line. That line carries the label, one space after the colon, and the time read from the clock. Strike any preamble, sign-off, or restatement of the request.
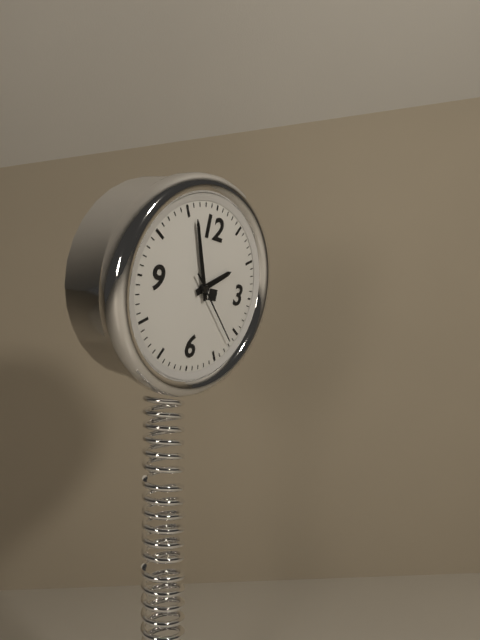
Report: 1:56:22
